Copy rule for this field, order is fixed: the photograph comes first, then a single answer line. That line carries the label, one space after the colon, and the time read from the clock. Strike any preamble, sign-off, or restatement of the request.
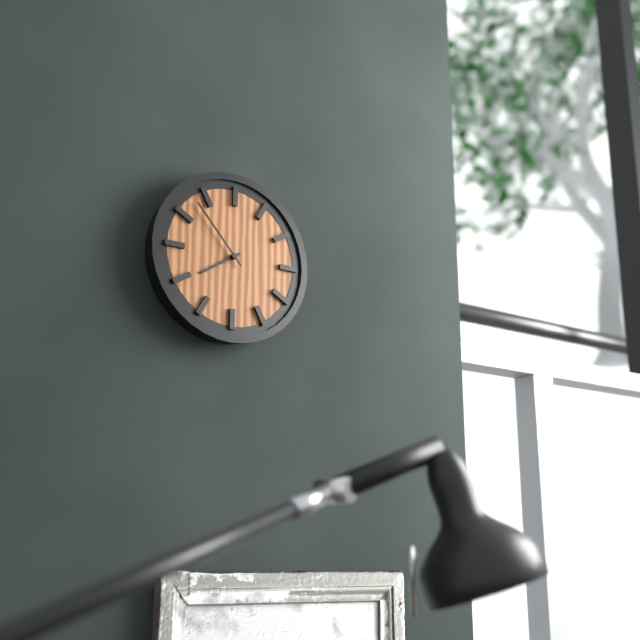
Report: 7:53
